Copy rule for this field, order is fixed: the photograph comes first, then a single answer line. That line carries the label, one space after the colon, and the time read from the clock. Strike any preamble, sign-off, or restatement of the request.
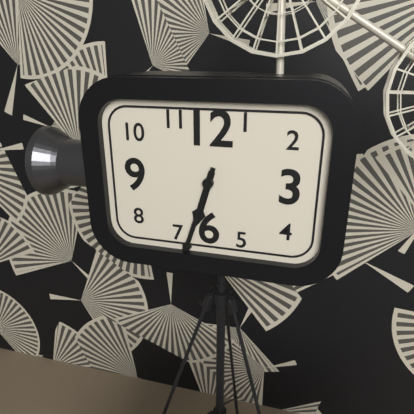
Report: 6:33
